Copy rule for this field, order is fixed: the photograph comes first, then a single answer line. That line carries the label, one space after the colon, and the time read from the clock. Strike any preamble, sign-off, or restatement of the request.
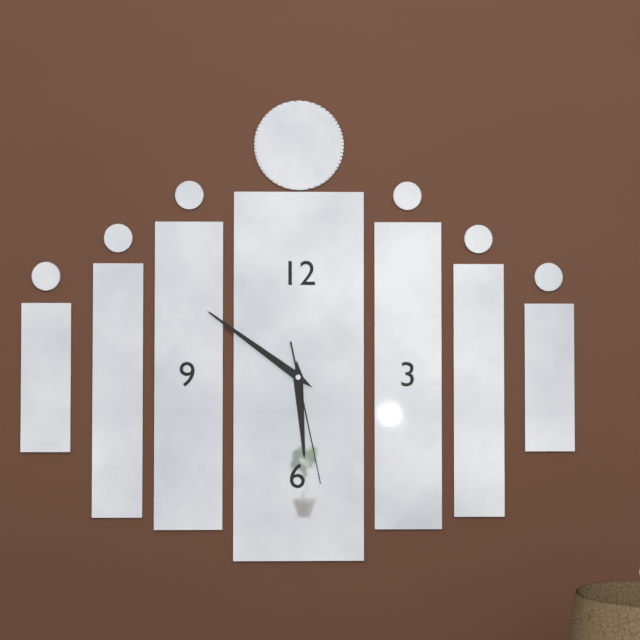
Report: 5:51:28
